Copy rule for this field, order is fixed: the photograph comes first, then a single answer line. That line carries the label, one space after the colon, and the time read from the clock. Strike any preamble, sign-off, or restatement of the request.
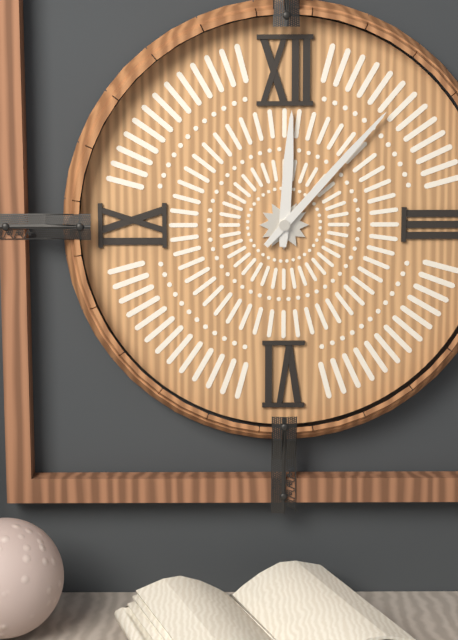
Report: 12:07
